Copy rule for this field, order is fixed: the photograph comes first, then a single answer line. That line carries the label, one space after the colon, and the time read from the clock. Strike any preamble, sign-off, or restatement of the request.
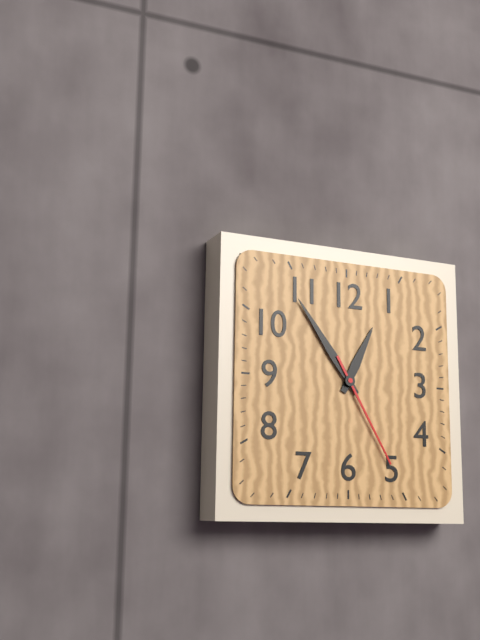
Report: 12:54:25
